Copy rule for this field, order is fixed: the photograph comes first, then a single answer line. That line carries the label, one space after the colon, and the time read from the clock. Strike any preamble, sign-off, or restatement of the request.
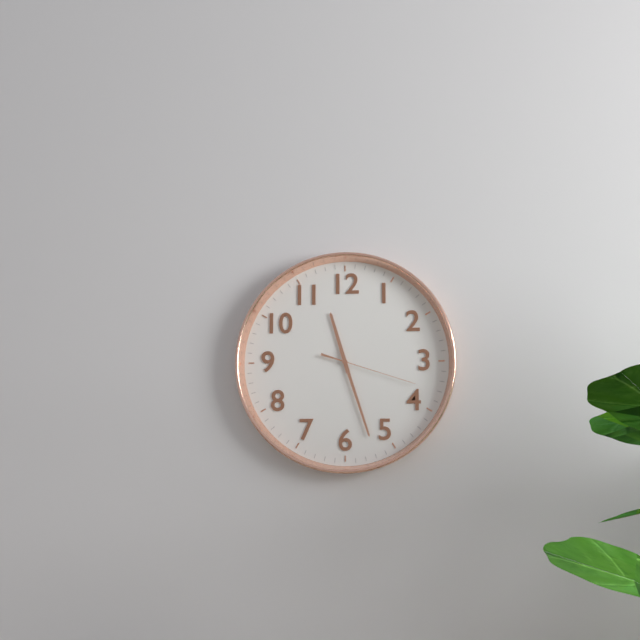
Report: 11:27:18
